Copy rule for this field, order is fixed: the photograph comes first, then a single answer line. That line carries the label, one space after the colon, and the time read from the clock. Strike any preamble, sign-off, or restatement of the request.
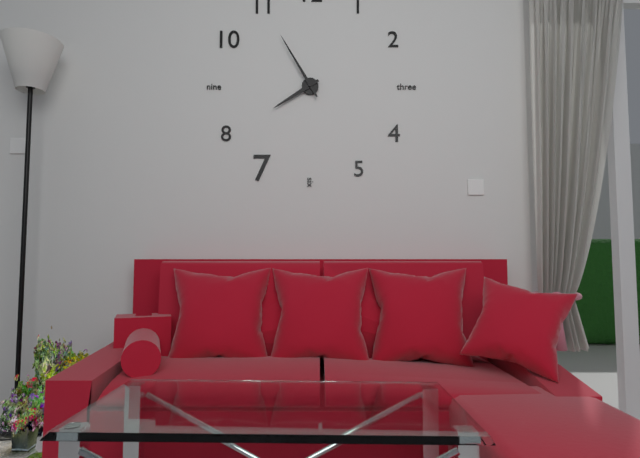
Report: 7:55
